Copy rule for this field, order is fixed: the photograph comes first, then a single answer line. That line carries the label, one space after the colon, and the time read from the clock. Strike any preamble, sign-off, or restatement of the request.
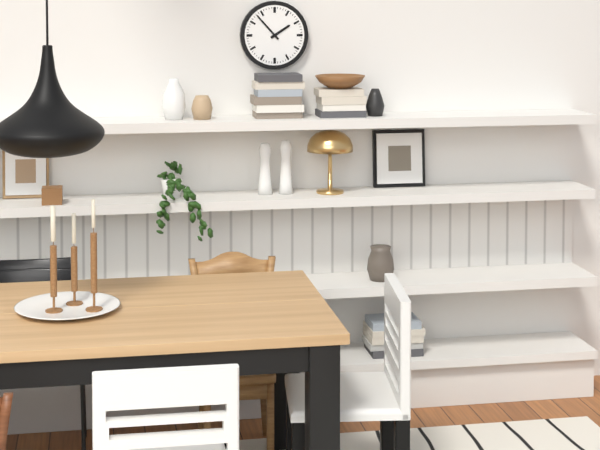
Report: 1:53
